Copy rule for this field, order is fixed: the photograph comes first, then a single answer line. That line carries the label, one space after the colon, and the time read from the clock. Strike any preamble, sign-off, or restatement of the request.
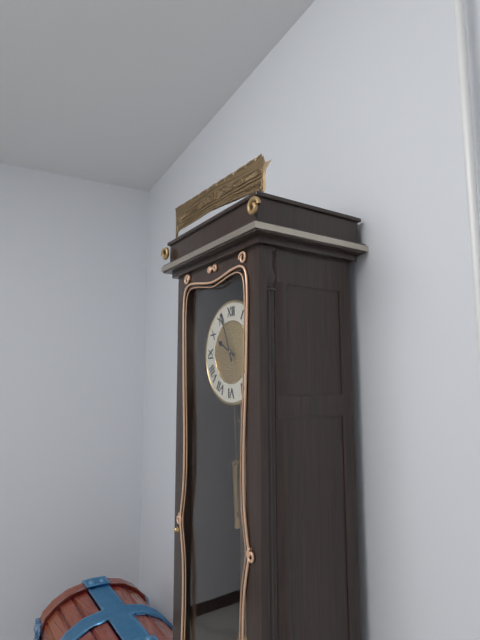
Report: 9:56
